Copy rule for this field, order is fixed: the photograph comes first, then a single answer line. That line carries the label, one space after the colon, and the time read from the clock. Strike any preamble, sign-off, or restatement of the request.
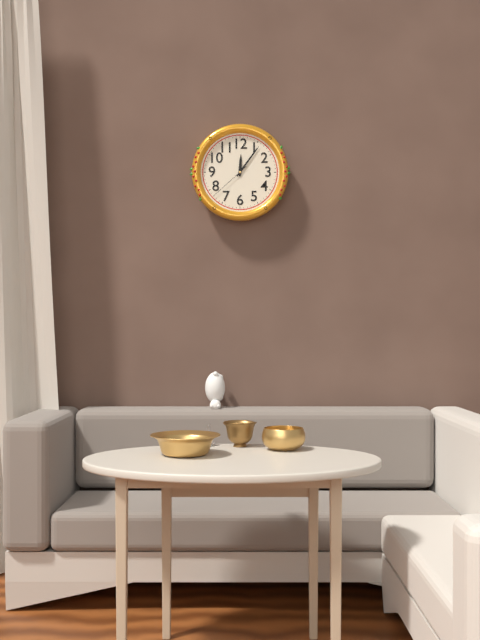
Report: 12:06
